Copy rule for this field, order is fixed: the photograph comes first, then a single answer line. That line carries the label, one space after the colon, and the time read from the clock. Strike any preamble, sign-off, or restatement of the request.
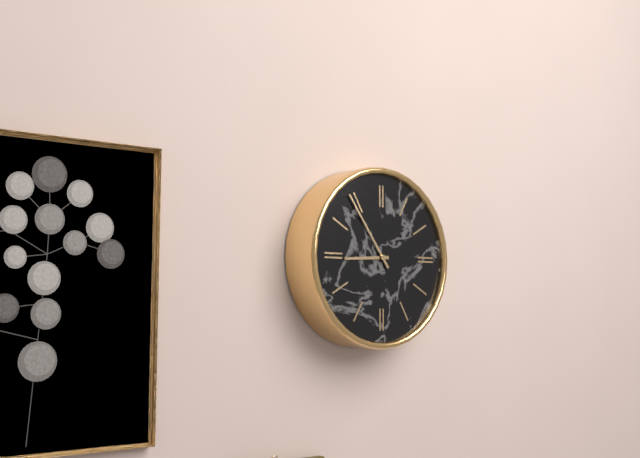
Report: 8:54
